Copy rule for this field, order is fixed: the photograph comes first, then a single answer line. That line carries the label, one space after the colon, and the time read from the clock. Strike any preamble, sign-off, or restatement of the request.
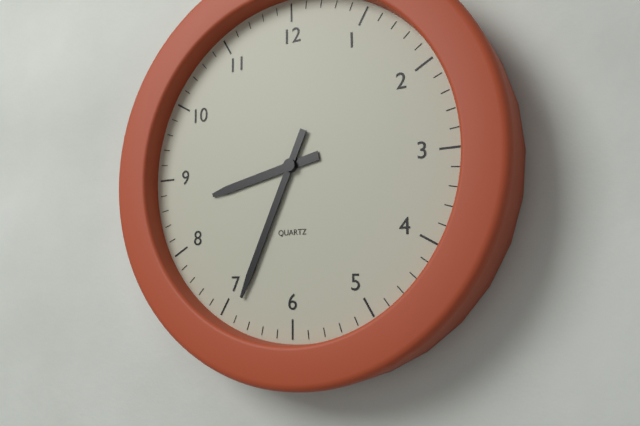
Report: 8:34
